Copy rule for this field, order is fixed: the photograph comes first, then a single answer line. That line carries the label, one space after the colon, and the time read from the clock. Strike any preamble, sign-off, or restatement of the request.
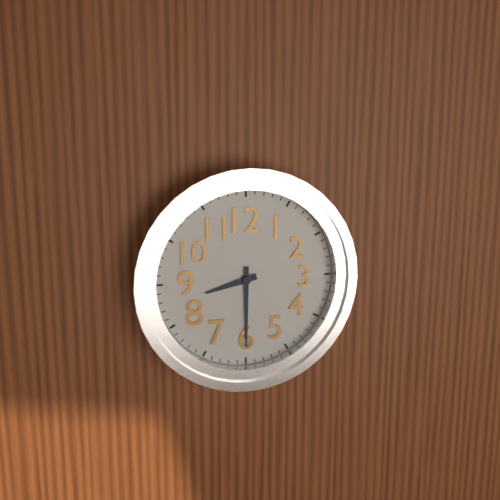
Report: 8:30
